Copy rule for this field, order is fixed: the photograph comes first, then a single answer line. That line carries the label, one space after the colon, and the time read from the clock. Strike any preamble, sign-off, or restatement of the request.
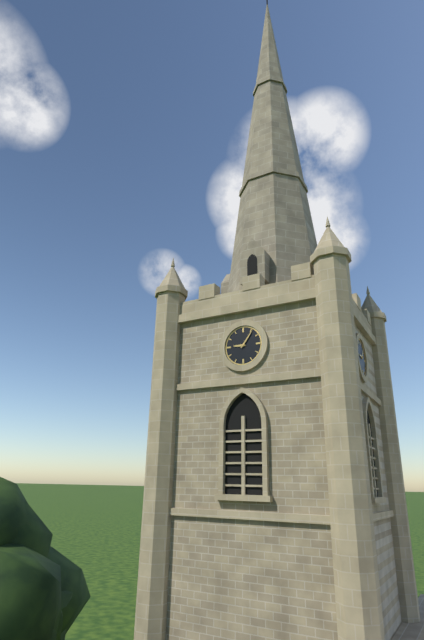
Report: 9:06
